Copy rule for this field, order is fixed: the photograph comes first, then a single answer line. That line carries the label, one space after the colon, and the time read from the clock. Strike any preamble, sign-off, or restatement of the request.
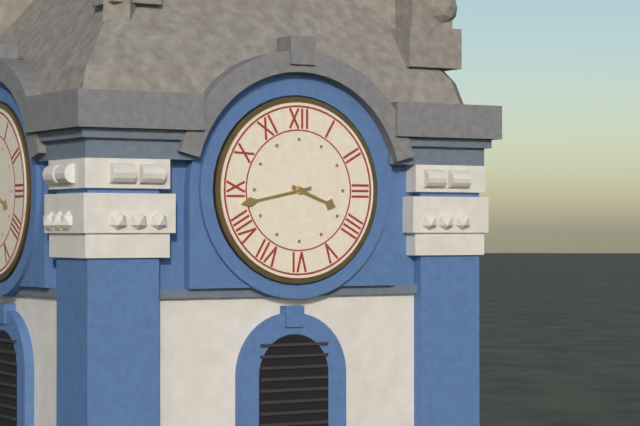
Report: 3:43
